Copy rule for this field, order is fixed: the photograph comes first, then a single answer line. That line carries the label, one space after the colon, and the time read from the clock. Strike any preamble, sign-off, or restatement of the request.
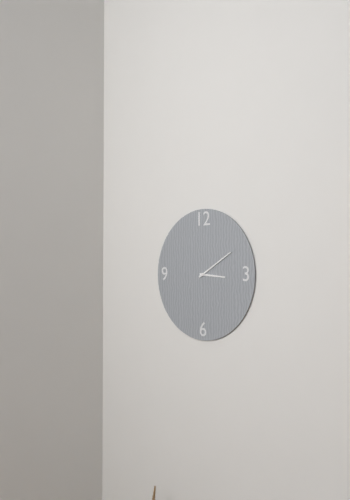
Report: 3:10
